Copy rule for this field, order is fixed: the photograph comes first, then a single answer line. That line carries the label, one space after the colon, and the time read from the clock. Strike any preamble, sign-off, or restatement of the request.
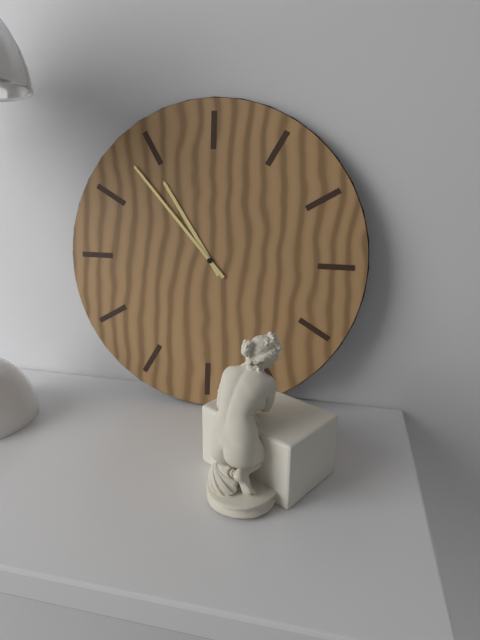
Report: 10:53
